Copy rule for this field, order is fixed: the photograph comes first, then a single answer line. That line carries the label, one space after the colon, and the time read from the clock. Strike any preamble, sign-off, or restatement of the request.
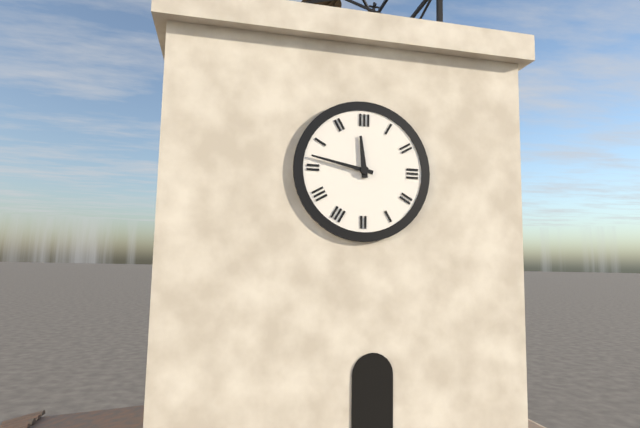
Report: 11:47
